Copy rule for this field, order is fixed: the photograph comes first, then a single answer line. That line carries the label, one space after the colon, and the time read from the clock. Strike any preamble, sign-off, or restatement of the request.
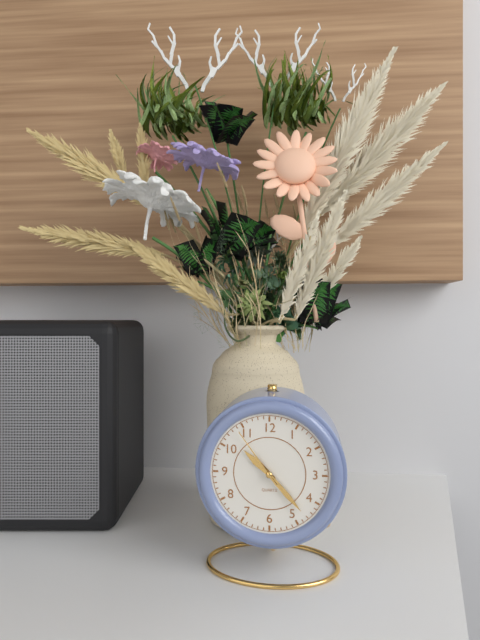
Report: 10:23:54
